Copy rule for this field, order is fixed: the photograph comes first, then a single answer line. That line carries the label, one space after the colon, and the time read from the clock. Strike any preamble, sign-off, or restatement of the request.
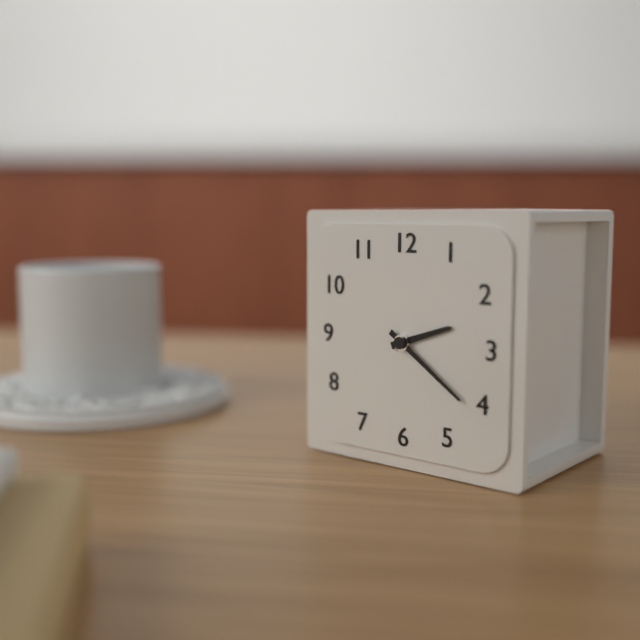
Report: 2:21
